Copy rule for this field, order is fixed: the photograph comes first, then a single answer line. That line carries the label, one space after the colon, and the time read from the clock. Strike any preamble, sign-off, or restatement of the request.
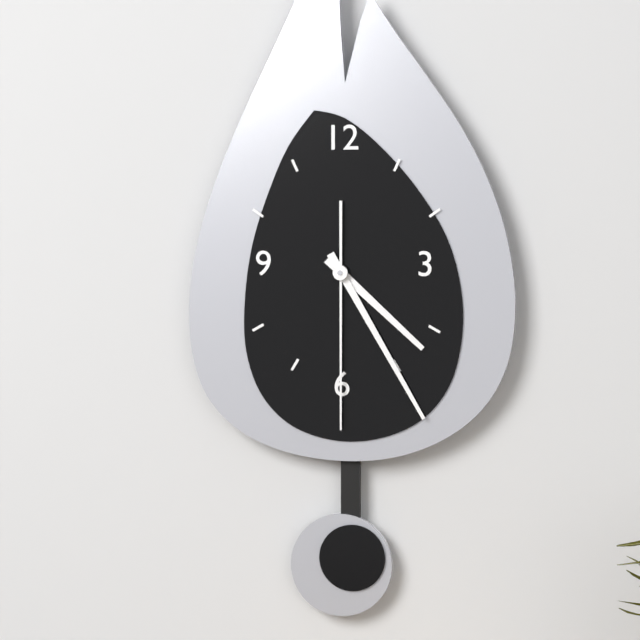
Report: 4:25:30
